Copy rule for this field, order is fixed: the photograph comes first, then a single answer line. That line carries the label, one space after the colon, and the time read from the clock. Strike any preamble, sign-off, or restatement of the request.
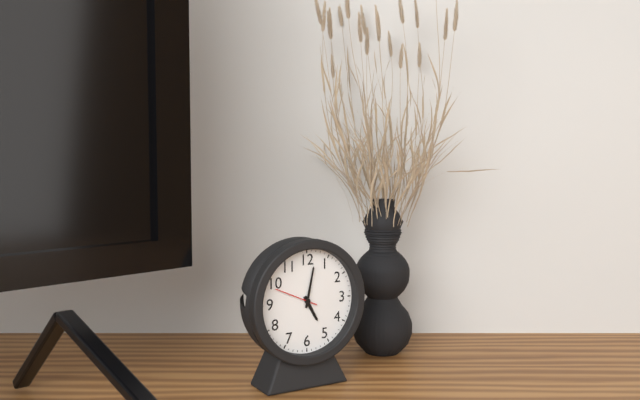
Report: 5:02
